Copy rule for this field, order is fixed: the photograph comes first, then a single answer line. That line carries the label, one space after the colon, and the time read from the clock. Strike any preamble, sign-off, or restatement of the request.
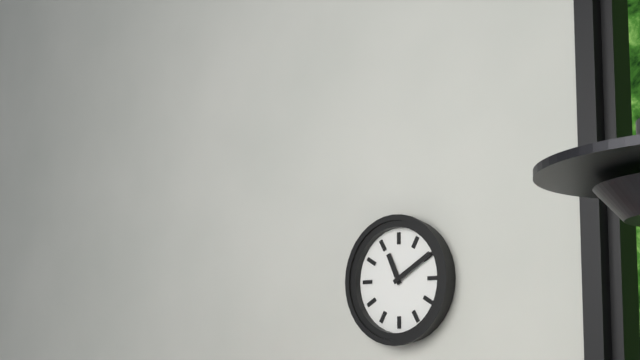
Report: 11:10
